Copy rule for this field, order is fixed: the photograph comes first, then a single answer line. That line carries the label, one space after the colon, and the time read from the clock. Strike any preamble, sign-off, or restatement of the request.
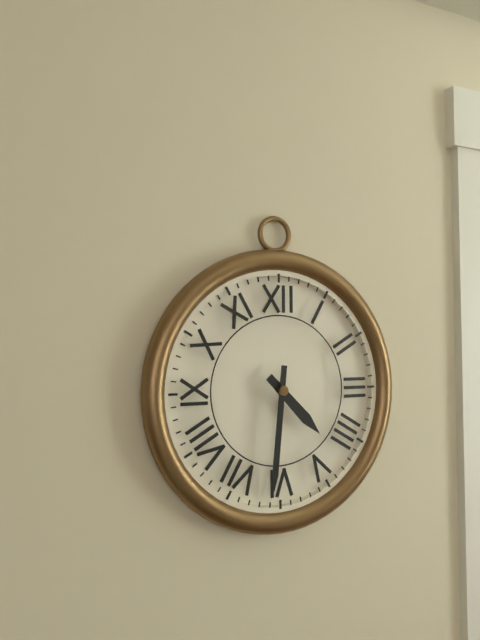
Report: 4:31
